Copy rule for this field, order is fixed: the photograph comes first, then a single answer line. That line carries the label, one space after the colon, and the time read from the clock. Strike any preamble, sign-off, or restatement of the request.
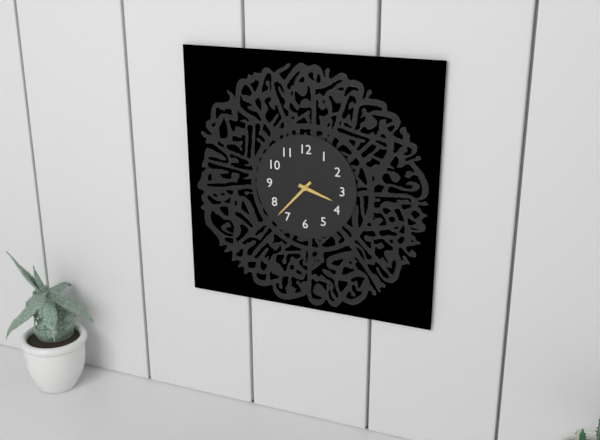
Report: 3:37
